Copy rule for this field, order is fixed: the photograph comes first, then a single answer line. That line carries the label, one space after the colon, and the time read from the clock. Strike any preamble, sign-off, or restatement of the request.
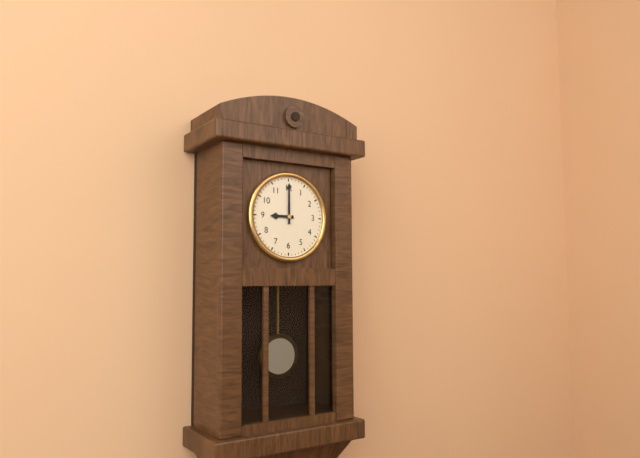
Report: 9:00
